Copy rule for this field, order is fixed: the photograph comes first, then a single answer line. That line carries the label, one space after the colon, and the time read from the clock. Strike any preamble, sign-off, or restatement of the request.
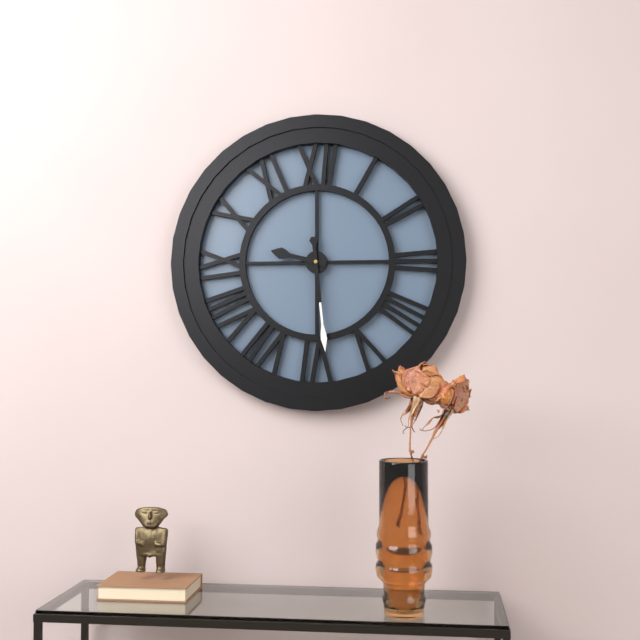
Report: 9:29
